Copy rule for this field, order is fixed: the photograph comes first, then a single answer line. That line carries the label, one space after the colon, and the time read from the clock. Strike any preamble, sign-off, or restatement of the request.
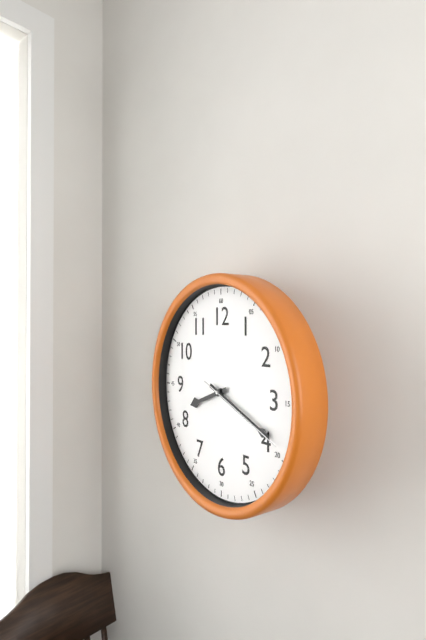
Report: 8:19:19
